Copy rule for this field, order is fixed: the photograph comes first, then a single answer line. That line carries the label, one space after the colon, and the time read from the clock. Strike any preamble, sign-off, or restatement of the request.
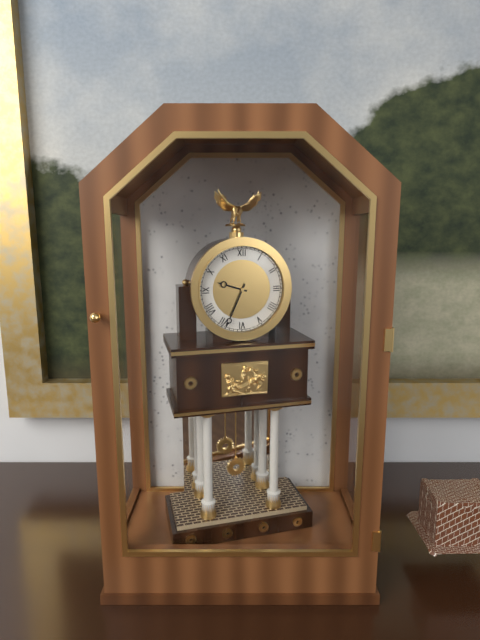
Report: 9:34
